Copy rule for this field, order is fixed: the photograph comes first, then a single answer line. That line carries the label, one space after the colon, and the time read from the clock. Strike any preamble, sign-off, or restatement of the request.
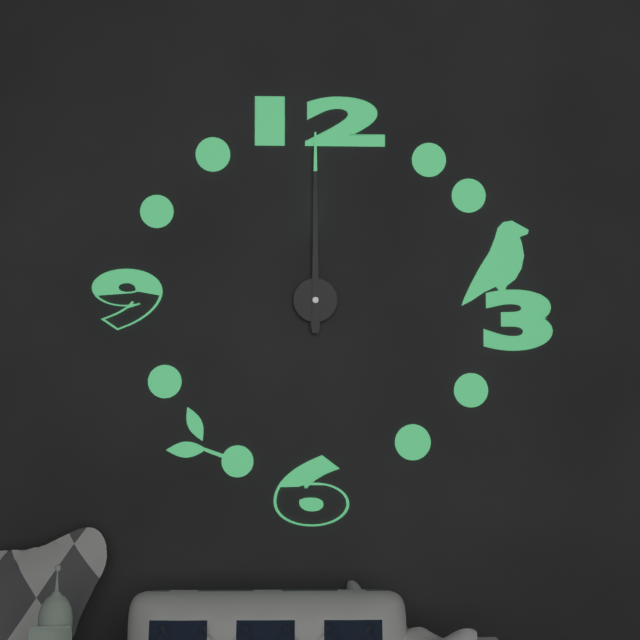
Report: 12:00
